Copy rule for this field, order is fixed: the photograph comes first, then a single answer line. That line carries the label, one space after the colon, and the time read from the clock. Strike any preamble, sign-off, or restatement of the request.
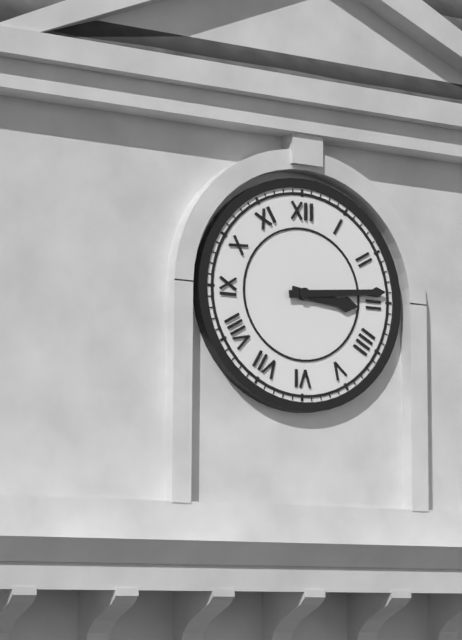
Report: 3:14
